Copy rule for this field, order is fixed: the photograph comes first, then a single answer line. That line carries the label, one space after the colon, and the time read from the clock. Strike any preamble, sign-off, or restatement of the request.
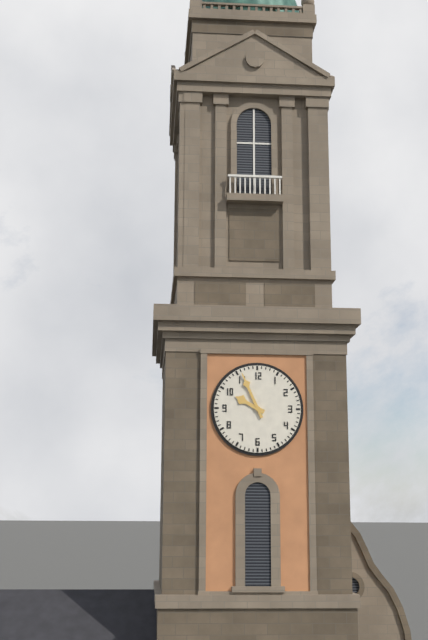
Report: 9:56
